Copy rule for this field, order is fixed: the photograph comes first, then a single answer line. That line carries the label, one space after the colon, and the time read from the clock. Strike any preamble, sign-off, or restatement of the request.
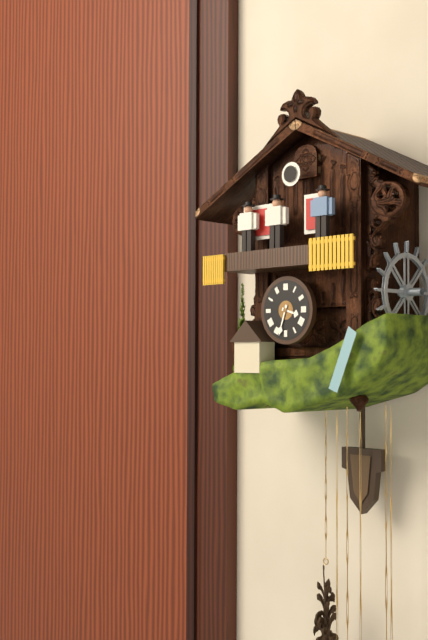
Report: 3:33
